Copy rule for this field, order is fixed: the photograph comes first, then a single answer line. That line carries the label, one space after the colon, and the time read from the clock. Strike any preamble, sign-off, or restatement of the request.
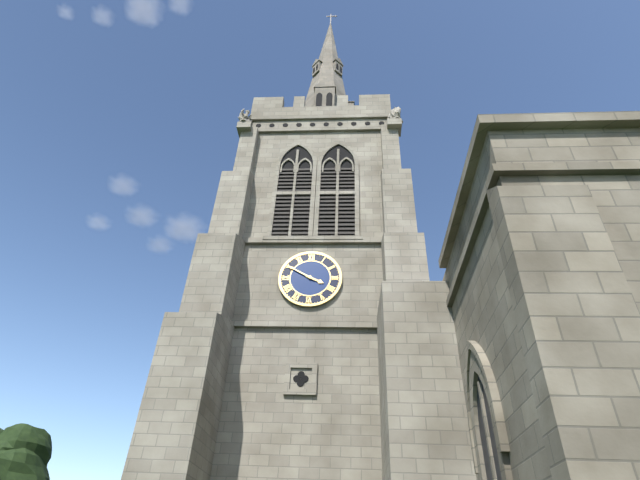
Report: 3:50
